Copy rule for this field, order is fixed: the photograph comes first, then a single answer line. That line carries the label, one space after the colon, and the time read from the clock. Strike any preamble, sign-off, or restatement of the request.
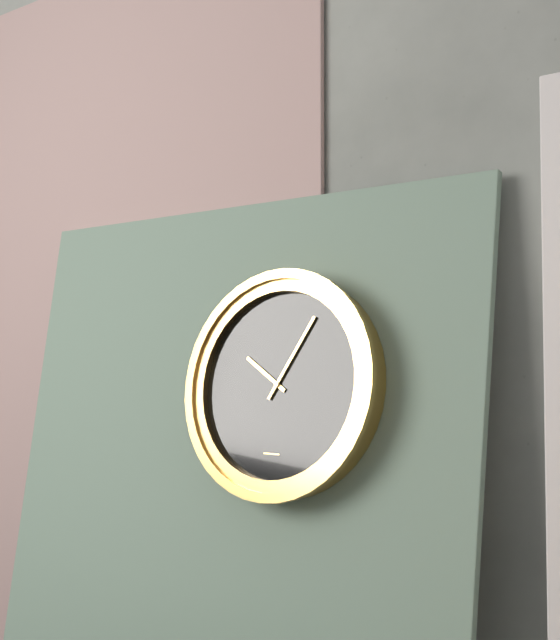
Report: 10:05
